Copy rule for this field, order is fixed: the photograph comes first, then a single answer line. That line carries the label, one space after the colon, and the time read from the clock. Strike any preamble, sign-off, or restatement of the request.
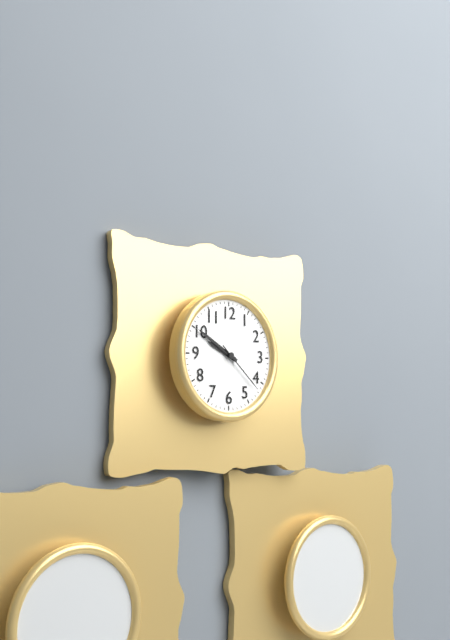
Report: 9:50:22
